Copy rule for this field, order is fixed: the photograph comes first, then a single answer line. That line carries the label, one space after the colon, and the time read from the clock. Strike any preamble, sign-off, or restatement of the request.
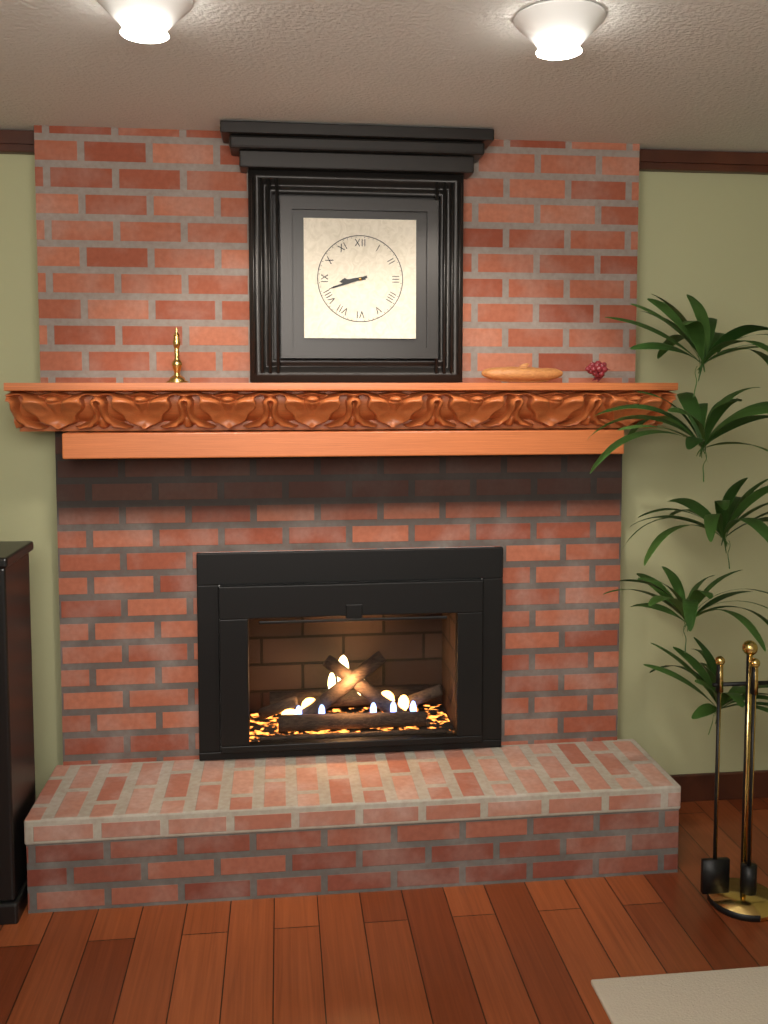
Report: 8:42
